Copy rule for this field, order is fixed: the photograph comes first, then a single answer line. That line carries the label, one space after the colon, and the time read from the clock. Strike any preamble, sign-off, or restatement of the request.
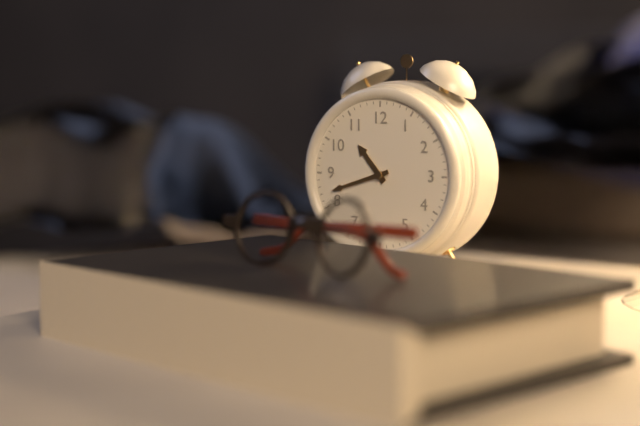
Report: 10:42
